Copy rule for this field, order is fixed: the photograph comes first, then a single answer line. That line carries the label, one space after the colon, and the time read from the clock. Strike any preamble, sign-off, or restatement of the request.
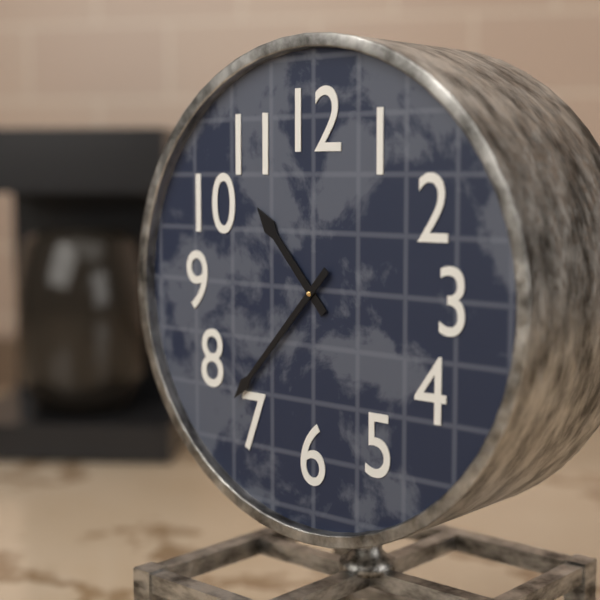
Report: 10:37
